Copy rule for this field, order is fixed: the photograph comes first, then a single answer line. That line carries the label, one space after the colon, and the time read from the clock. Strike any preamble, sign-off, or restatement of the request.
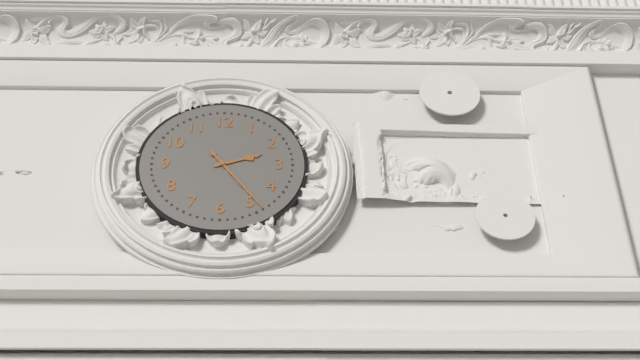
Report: 2:24
